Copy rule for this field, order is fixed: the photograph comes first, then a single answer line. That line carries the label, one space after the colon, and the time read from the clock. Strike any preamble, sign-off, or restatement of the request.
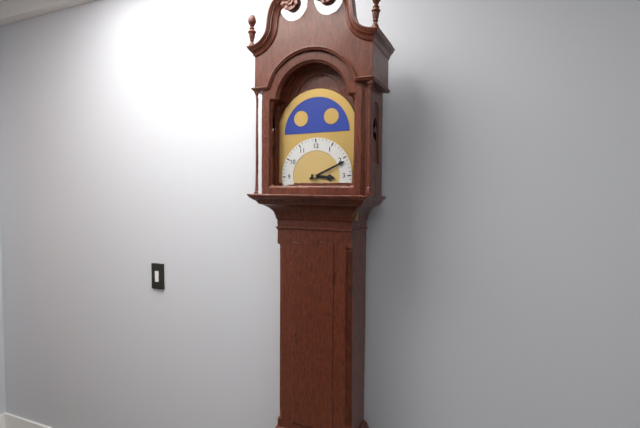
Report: 3:11
